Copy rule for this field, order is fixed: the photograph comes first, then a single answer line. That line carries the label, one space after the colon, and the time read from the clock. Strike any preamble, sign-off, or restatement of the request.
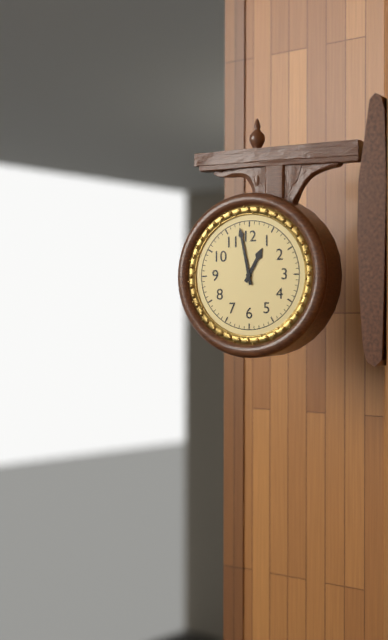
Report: 12:58
